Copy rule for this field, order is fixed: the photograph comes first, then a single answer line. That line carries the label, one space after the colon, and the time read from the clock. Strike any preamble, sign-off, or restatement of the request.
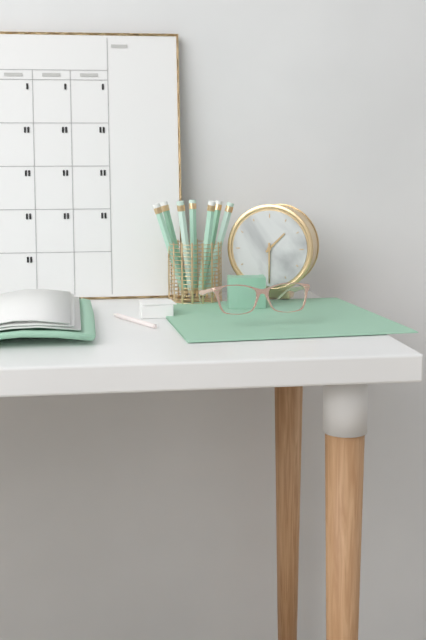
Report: 1:30
